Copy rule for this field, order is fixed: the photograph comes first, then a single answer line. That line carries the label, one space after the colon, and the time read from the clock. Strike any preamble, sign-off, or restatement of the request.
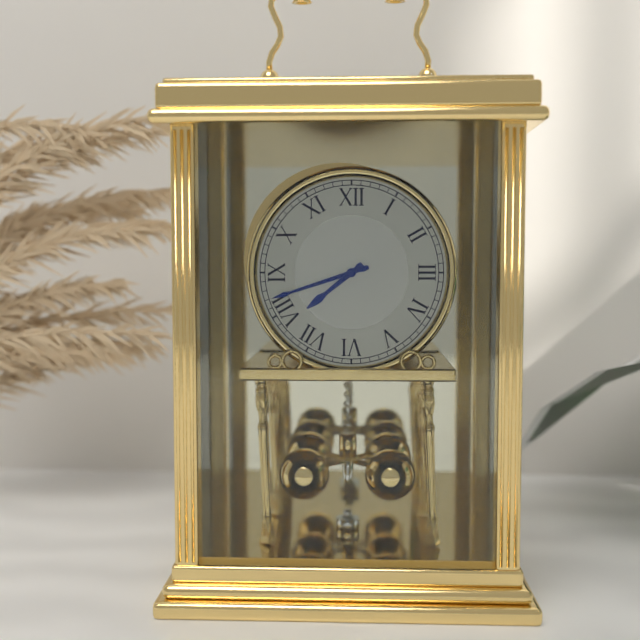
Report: 7:42
